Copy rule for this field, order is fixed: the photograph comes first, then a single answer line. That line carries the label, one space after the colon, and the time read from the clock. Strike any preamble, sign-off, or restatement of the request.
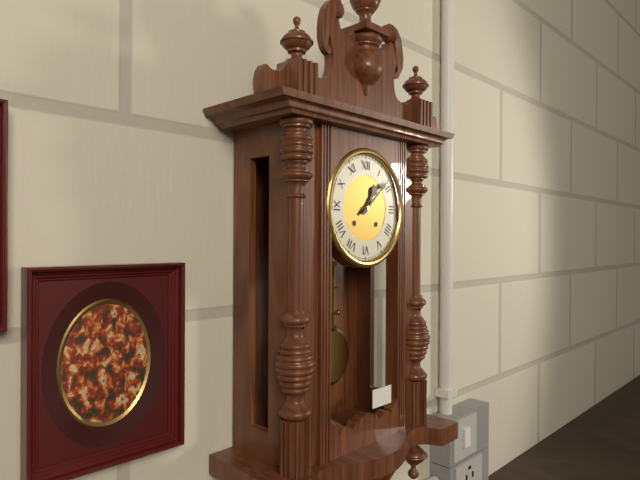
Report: 1:08
